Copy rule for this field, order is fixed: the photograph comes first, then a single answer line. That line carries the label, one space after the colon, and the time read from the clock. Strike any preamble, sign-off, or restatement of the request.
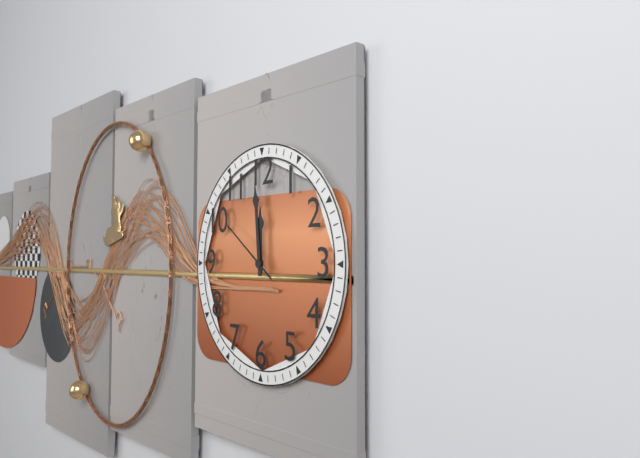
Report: 11:59:51
